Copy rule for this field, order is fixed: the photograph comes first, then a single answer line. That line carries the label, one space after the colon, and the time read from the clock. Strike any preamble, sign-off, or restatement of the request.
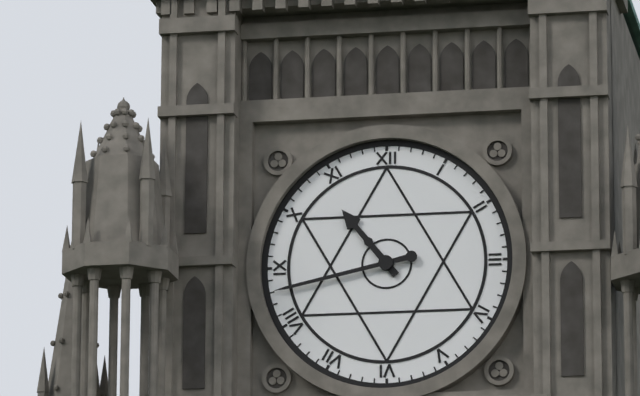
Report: 10:43
